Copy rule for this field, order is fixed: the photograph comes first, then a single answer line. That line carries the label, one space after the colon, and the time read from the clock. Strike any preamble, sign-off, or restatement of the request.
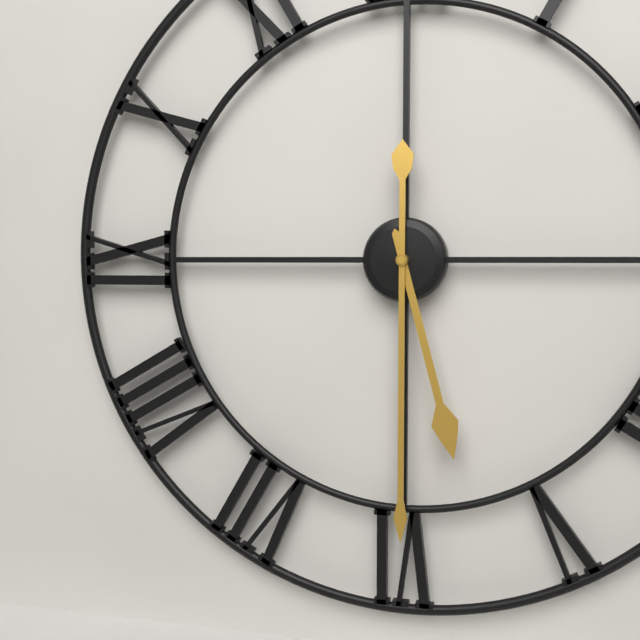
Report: 5:30
